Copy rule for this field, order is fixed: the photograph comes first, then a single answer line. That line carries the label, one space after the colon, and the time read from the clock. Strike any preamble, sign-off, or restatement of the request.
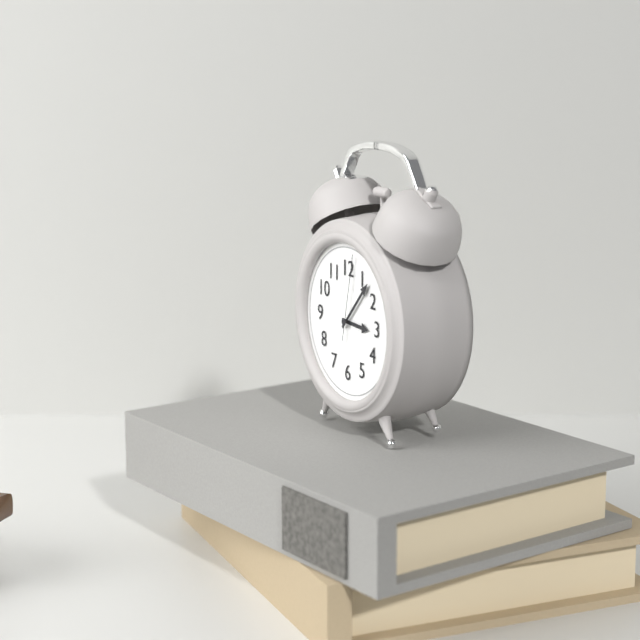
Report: 3:07:02
